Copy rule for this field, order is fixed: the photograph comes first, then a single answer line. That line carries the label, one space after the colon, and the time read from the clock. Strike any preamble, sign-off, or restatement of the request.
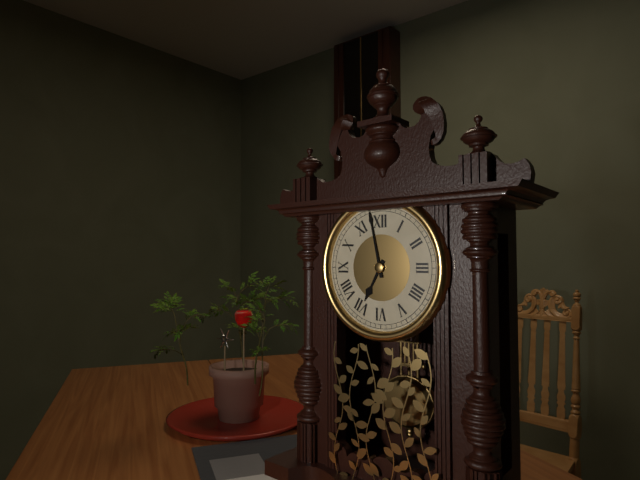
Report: 6:58
